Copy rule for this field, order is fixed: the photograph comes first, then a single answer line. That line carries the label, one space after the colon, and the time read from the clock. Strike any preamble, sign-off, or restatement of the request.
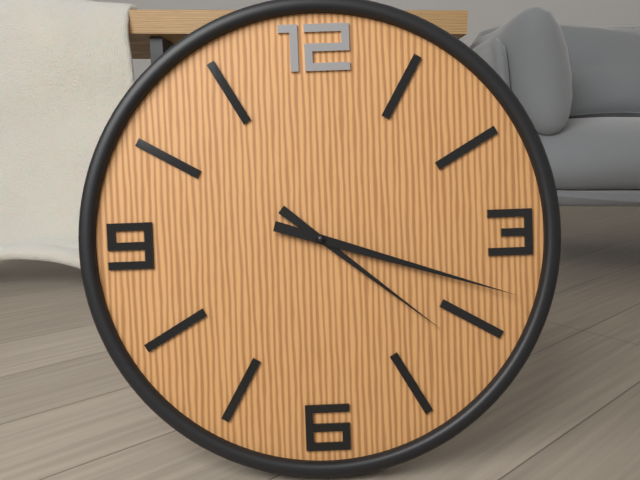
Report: 4:18
